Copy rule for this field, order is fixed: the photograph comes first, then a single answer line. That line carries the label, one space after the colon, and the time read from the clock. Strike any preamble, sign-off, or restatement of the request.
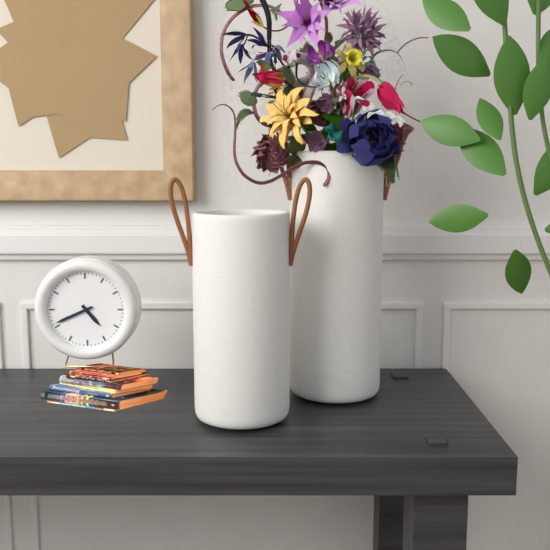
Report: 4:41
